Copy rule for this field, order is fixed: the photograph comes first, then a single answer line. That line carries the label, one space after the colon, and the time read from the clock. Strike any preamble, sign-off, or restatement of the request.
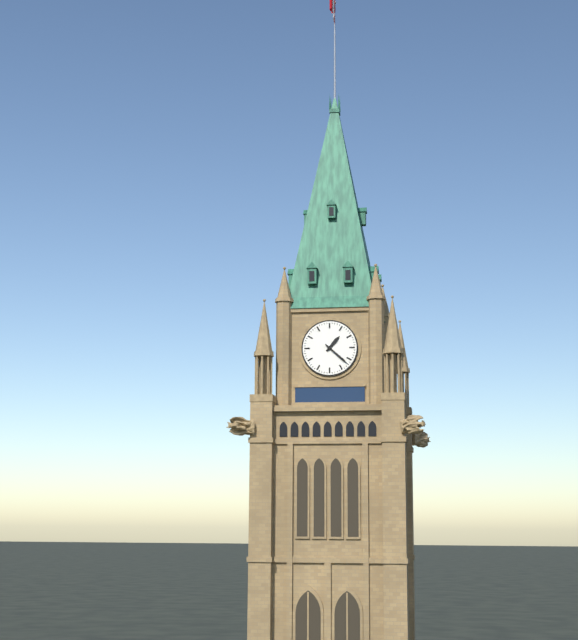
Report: 1:22
